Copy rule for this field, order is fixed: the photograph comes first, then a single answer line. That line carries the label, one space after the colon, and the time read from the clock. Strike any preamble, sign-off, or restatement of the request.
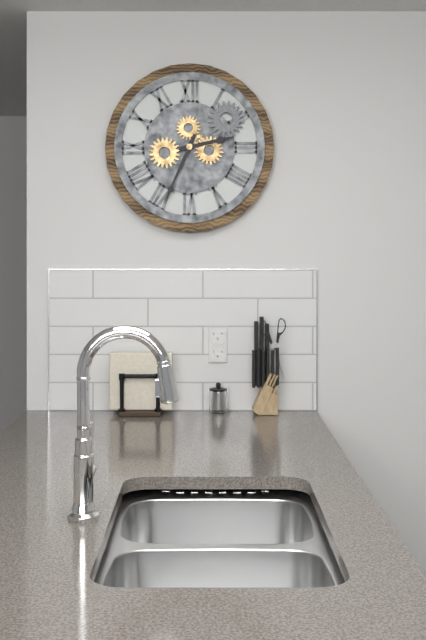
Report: 2:34
